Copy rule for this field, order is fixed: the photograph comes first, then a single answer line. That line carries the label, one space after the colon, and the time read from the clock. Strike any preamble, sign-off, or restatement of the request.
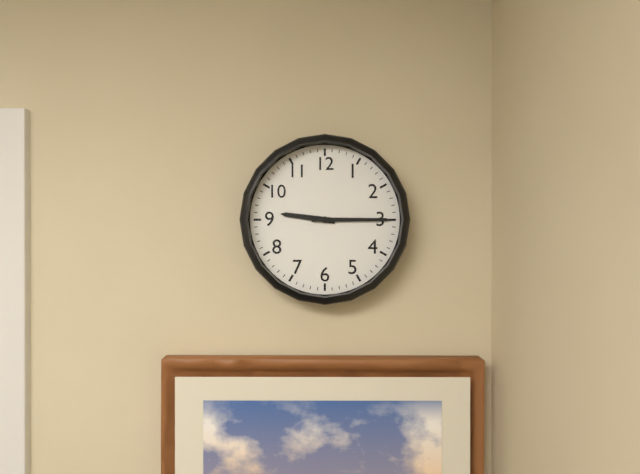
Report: 9:15
